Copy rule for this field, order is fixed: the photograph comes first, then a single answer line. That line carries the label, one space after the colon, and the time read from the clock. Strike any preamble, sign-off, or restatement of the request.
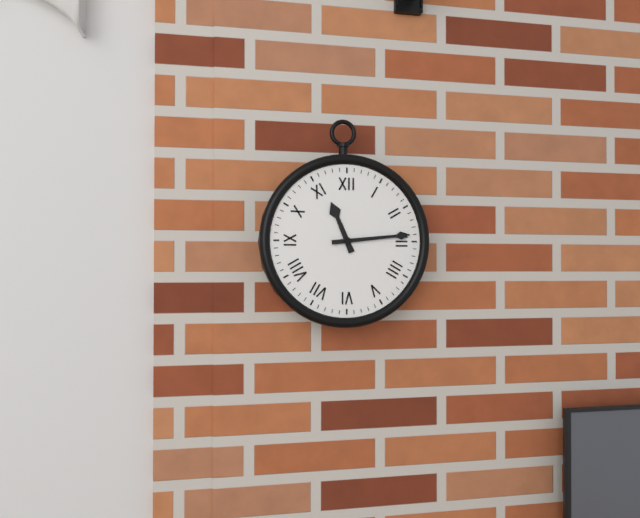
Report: 11:14
